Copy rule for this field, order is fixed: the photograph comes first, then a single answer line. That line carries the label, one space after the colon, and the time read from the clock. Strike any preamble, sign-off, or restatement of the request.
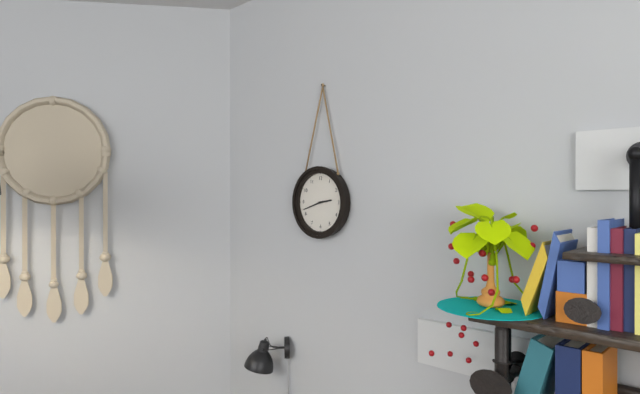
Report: 2:42
